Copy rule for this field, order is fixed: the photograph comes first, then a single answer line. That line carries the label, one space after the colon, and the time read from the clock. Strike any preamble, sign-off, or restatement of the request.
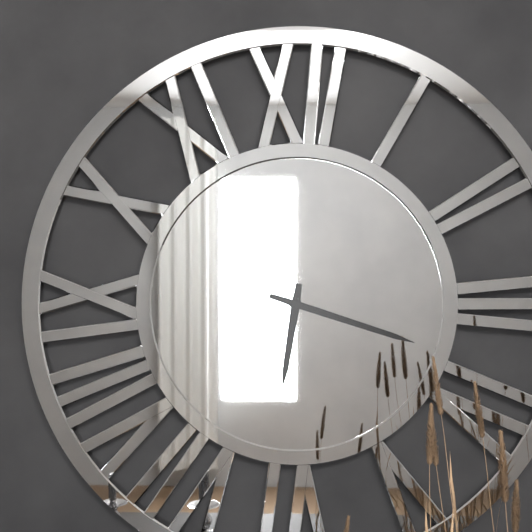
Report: 6:18
